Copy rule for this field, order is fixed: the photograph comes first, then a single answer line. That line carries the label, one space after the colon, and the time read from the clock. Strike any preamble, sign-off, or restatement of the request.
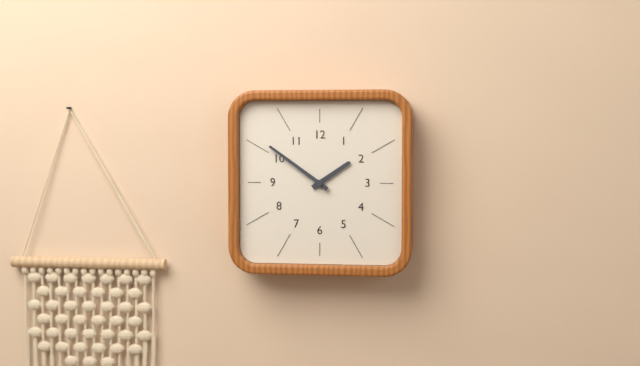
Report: 1:51
